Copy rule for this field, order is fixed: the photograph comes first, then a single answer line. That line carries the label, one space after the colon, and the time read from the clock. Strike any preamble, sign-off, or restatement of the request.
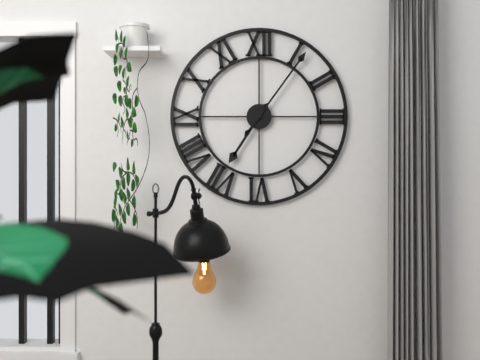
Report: 7:06
